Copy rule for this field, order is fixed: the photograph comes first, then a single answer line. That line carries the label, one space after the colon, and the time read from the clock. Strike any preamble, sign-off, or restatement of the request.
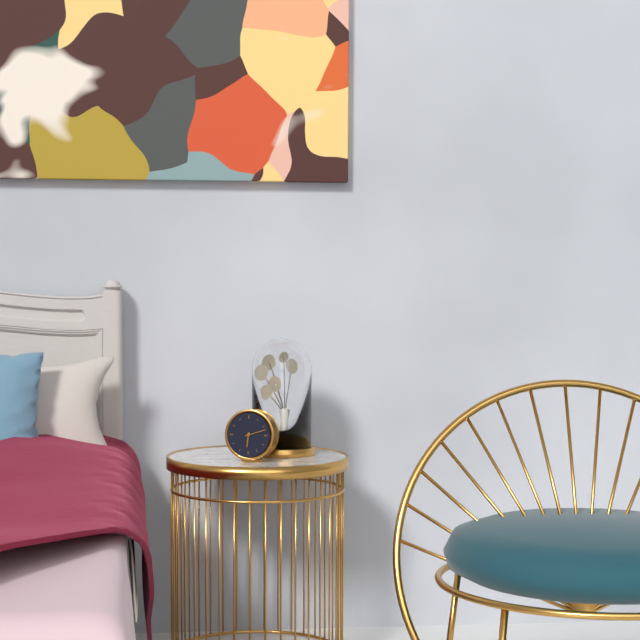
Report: 6:12
